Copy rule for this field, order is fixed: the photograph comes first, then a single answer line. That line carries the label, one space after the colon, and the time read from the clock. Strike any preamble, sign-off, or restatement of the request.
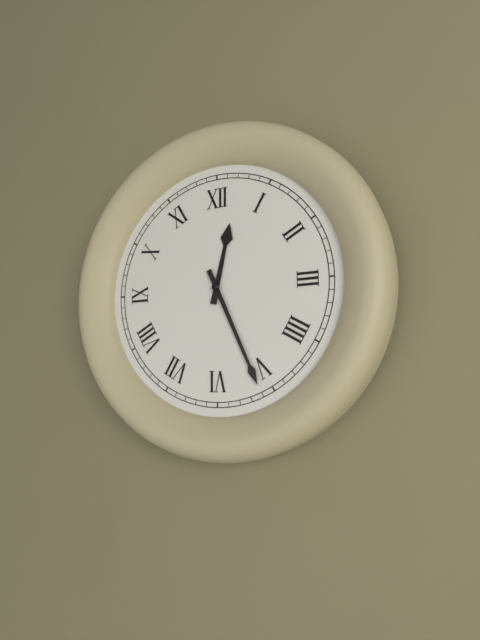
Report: 12:26
